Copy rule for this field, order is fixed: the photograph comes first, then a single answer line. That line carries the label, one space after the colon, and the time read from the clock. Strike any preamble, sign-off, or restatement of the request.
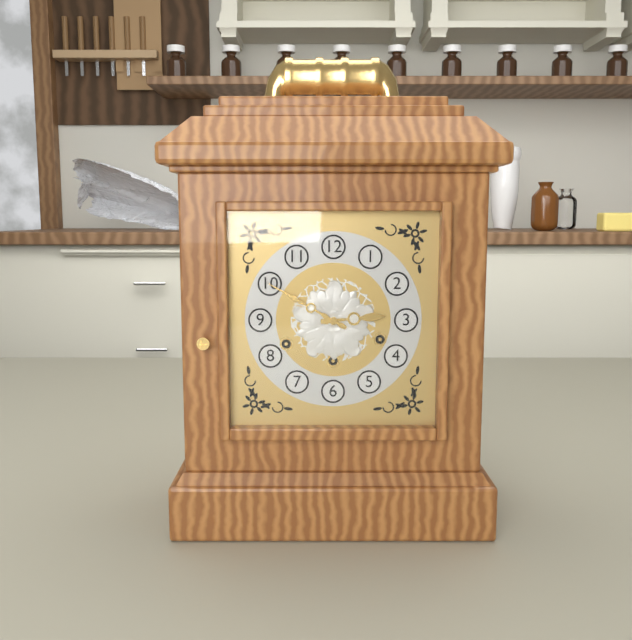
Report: 2:50
